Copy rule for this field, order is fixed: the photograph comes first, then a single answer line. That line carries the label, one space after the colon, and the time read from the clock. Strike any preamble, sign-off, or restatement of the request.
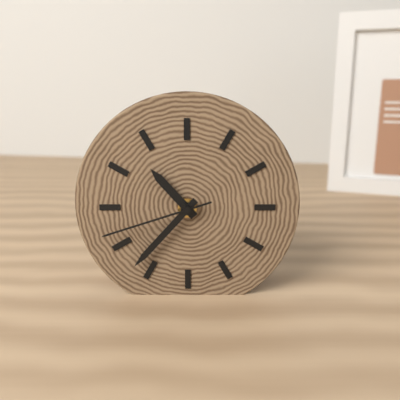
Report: 10:37:42
